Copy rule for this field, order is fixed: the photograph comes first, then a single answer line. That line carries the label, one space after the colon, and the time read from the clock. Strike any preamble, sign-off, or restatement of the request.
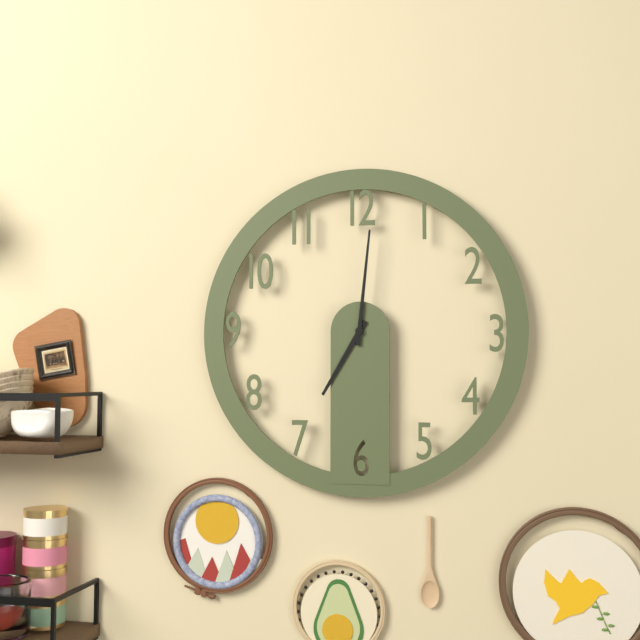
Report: 7:01
